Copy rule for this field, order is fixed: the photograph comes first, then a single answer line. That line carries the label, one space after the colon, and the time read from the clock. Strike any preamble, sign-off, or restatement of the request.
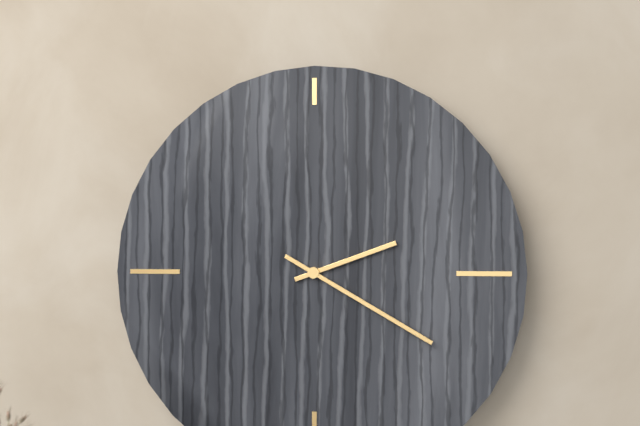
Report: 2:20
